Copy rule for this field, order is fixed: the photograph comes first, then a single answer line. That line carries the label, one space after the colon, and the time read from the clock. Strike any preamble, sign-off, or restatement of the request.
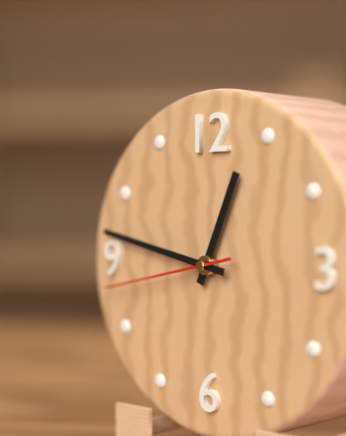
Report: 12:47:43
